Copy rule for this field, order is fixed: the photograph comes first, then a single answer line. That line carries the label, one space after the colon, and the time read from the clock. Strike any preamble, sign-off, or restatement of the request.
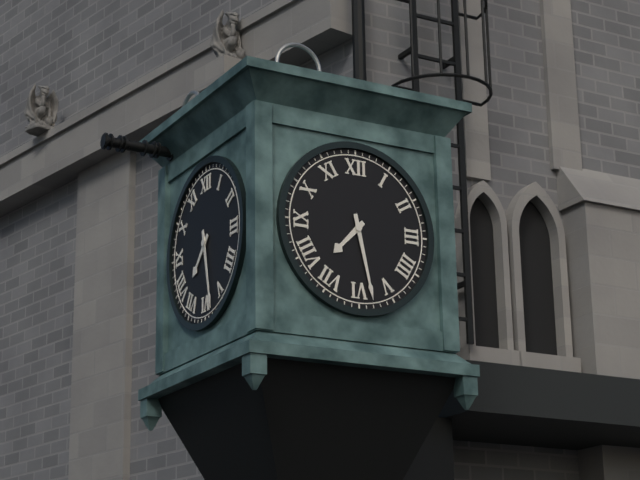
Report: 7:28
